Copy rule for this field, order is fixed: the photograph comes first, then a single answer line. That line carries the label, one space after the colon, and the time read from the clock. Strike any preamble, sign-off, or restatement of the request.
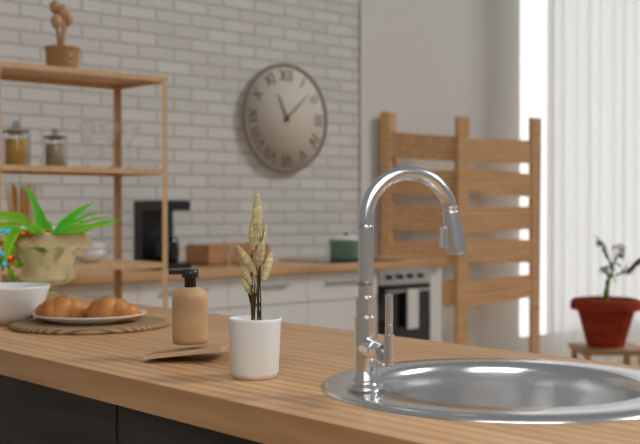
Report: 11:08
